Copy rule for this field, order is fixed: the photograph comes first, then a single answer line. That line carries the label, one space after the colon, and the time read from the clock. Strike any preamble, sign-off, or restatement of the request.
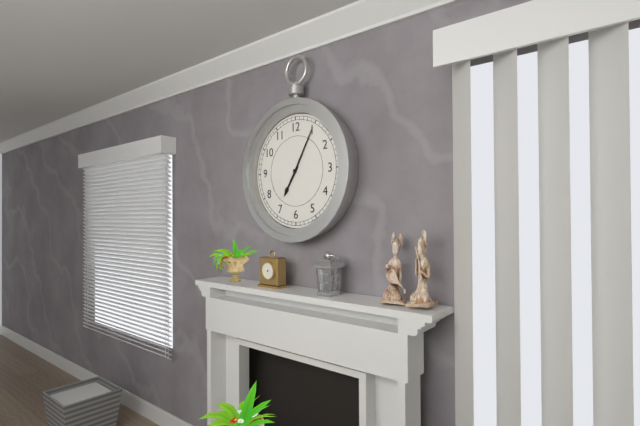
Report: 7:05
